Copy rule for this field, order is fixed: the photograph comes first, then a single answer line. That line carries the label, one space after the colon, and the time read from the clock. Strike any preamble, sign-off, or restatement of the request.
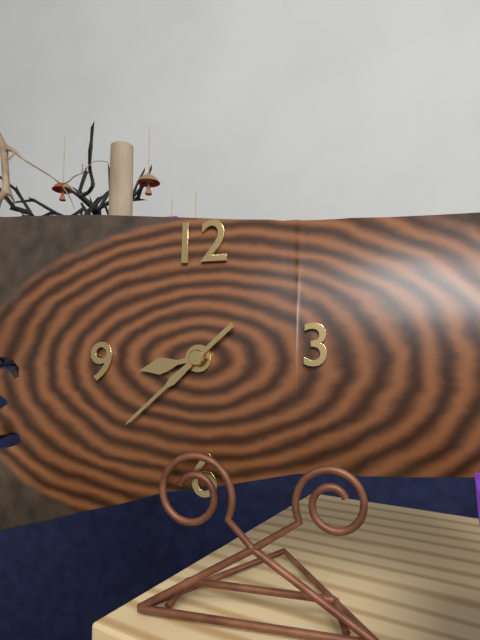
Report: 8:38
